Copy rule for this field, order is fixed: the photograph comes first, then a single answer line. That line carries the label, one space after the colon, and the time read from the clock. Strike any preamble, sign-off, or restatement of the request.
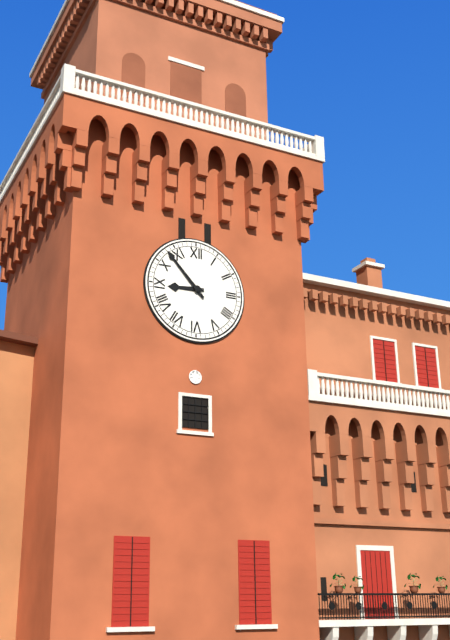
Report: 8:53
